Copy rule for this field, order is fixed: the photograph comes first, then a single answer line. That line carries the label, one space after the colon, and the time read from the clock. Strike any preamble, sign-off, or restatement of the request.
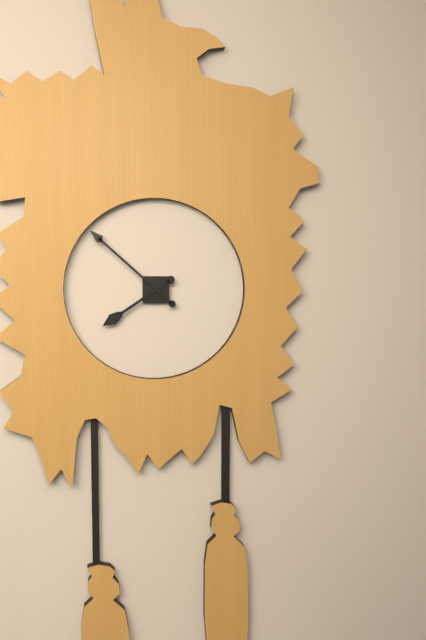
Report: 7:52
